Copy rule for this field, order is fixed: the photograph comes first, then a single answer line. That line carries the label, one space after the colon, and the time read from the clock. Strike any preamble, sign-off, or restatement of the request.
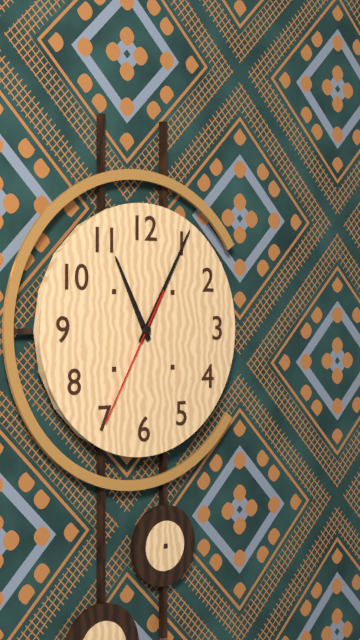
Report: 11:05:35
